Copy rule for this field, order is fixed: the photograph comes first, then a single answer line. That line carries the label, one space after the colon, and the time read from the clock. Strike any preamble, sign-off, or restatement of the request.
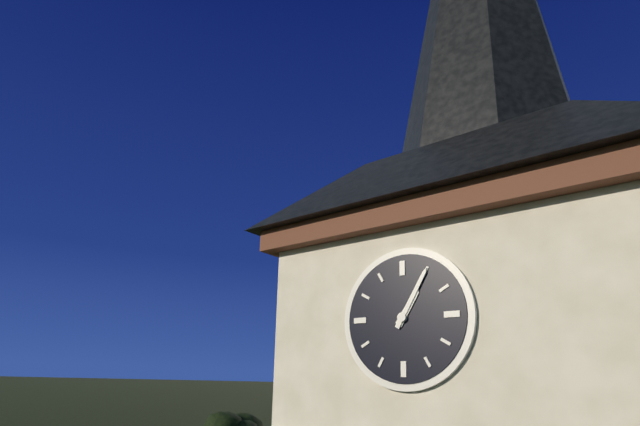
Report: 1:05
